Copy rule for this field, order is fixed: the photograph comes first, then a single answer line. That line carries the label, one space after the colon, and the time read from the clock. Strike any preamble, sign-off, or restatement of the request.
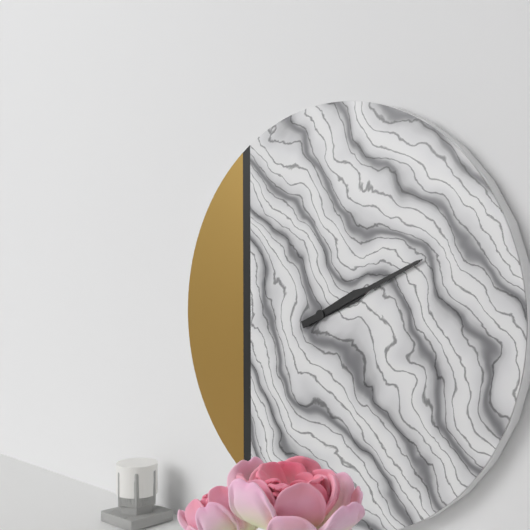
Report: 2:11
